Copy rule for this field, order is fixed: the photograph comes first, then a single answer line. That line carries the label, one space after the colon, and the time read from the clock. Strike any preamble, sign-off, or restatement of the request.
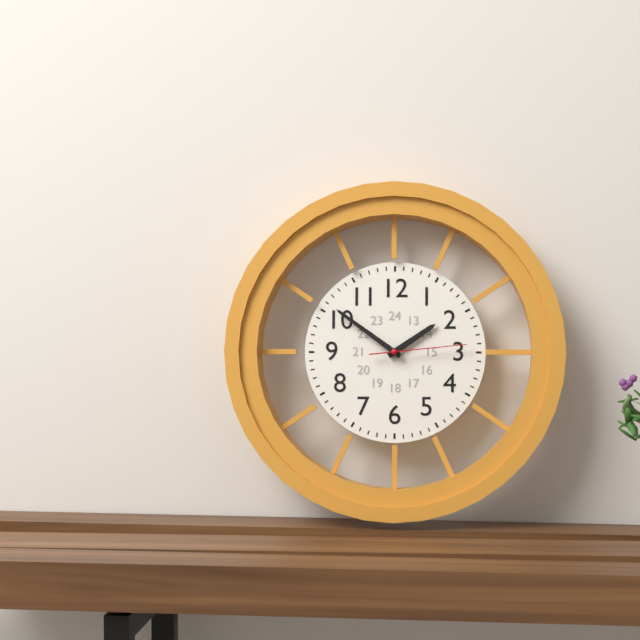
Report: 1:51:14
